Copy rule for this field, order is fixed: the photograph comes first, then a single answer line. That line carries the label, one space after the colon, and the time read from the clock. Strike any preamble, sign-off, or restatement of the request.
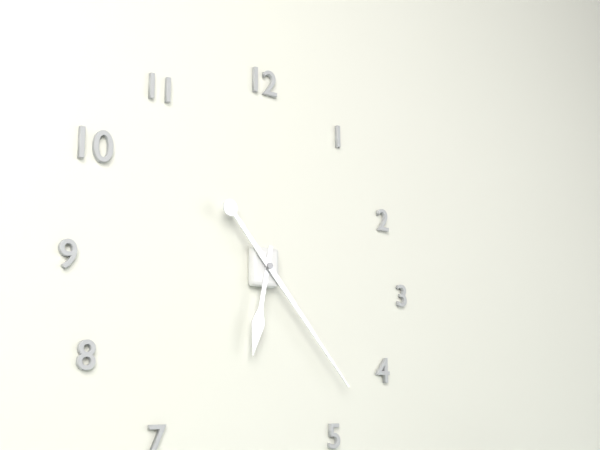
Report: 6:23
